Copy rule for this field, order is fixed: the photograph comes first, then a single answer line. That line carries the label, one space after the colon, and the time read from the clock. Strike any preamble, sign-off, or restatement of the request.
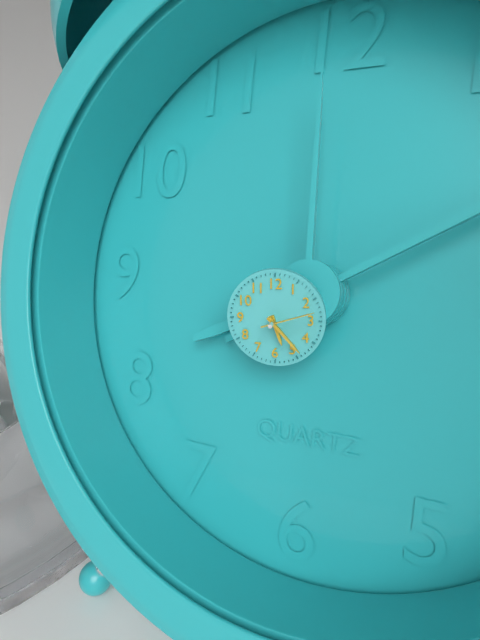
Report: 5:23
